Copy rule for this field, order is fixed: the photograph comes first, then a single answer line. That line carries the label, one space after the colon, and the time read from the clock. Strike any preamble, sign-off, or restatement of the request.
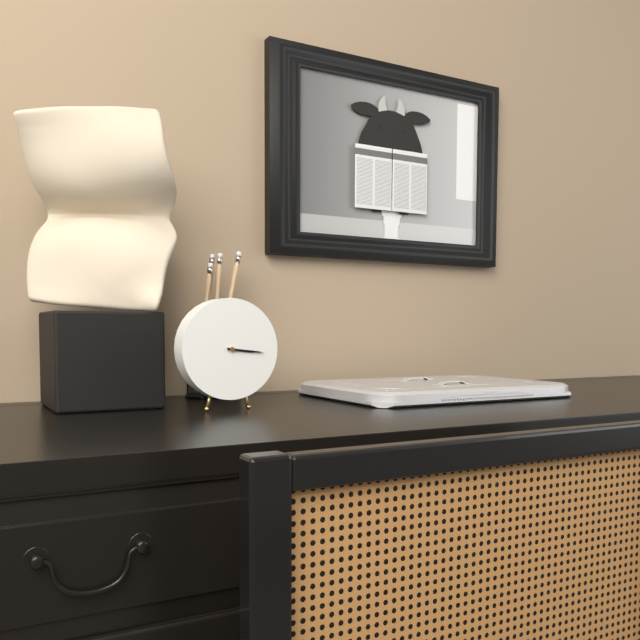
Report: 3:16
